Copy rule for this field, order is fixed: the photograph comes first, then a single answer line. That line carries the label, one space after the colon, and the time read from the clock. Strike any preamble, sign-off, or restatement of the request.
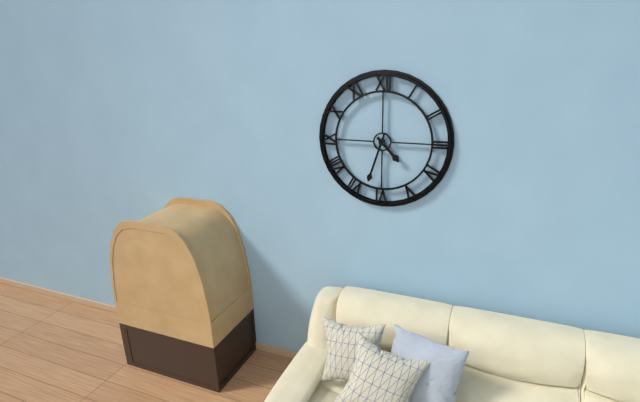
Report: 4:33
